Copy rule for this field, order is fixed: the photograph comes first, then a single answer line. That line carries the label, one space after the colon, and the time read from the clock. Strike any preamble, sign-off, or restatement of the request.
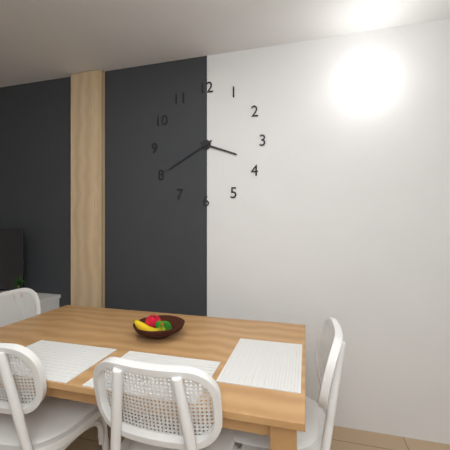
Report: 3:40
